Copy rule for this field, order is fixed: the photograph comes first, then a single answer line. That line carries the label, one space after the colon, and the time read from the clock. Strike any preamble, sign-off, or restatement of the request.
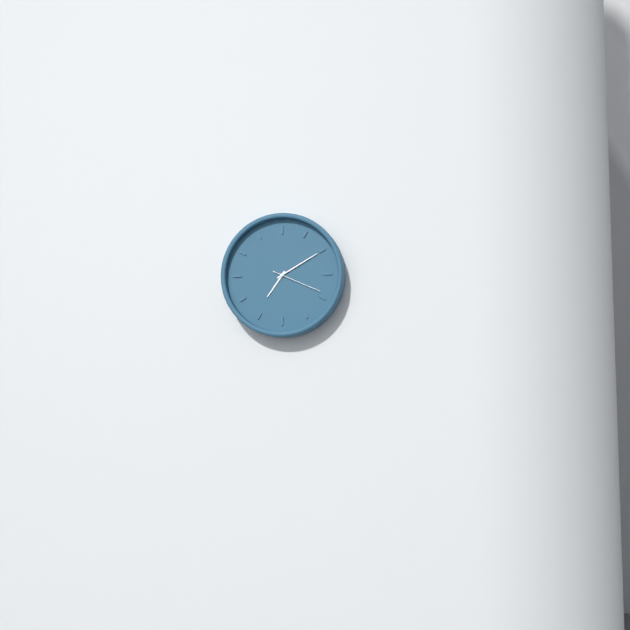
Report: 7:10:19
